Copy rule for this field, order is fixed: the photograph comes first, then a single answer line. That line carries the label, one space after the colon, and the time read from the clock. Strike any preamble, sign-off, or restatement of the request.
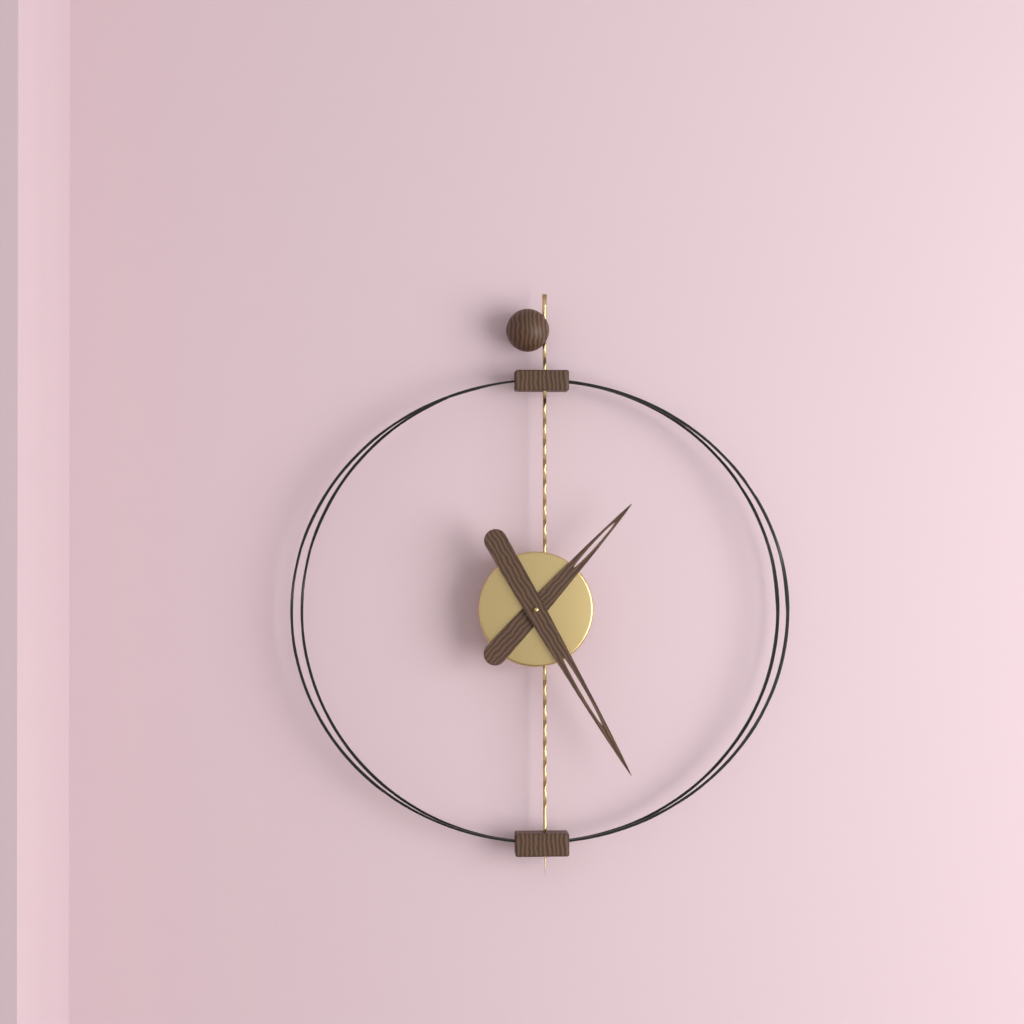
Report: 1:25
